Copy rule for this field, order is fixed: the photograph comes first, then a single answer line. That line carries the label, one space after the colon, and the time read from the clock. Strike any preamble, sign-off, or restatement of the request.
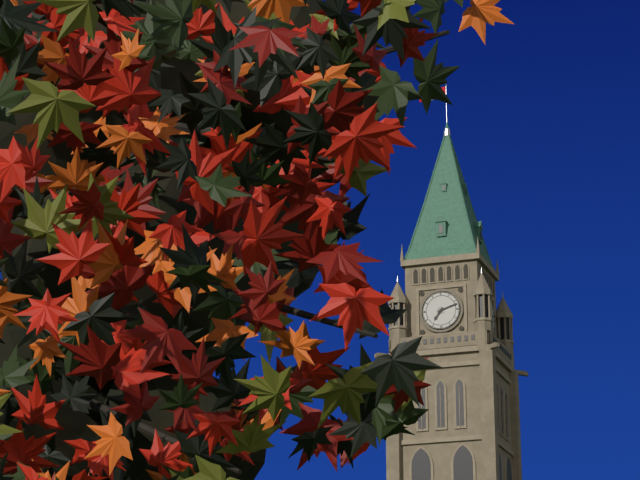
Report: 7:12
